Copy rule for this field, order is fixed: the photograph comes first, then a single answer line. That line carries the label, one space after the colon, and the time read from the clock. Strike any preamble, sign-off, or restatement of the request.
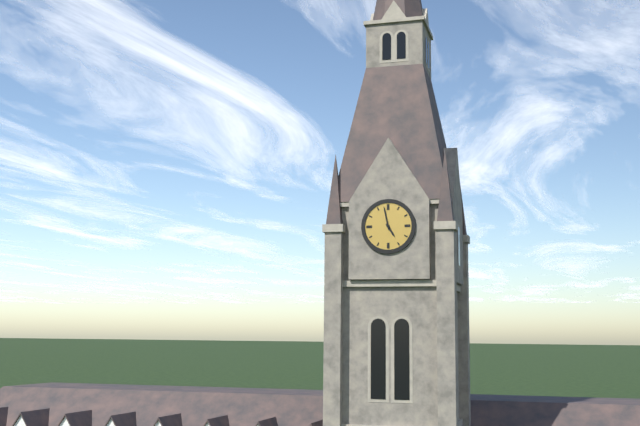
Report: 4:58
